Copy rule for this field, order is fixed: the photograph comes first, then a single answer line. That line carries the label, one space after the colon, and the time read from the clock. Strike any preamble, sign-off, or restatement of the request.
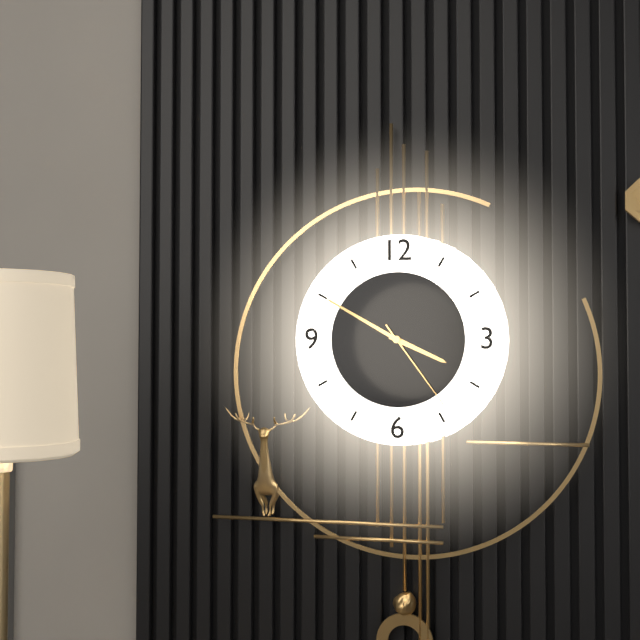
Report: 3:50:24
